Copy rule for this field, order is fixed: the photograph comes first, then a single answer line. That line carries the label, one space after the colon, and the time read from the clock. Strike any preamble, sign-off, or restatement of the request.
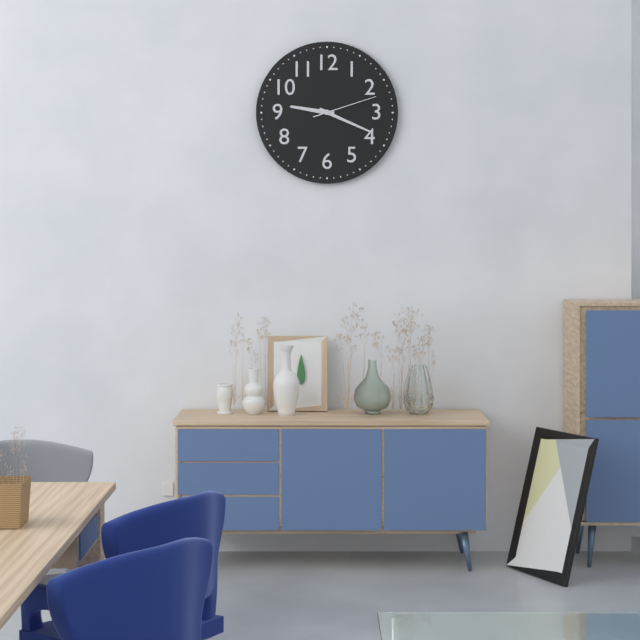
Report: 9:19:12
